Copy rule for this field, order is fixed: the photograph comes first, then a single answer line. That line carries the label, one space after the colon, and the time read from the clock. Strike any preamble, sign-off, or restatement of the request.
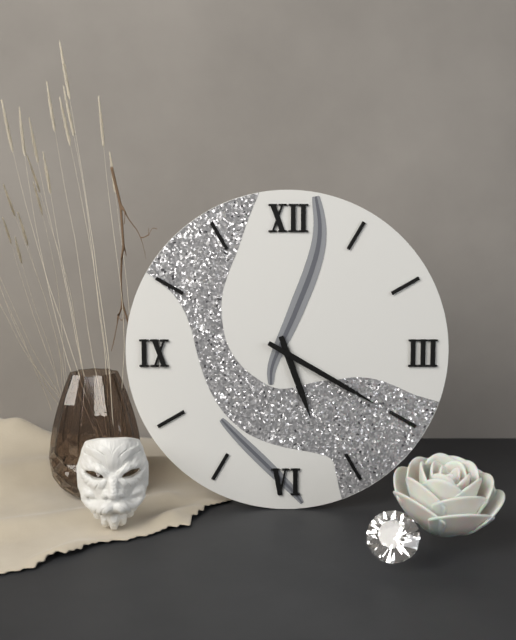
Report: 5:20
